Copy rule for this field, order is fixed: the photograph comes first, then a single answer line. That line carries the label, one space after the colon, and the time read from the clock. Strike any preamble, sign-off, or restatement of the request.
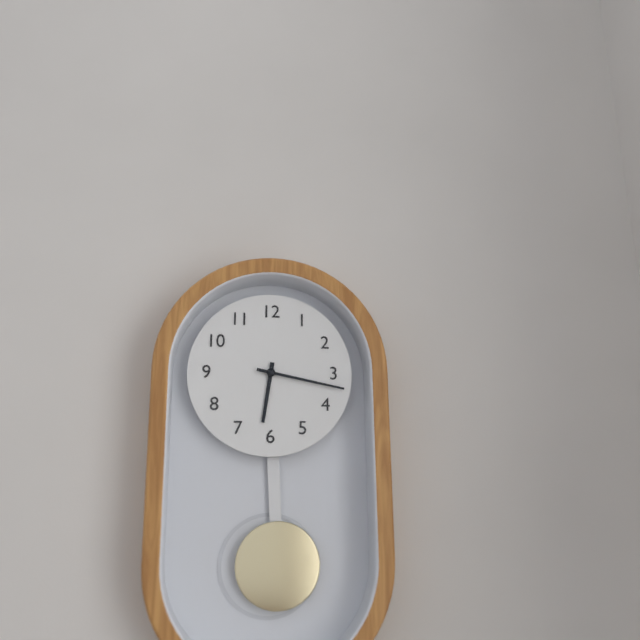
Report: 6:17
